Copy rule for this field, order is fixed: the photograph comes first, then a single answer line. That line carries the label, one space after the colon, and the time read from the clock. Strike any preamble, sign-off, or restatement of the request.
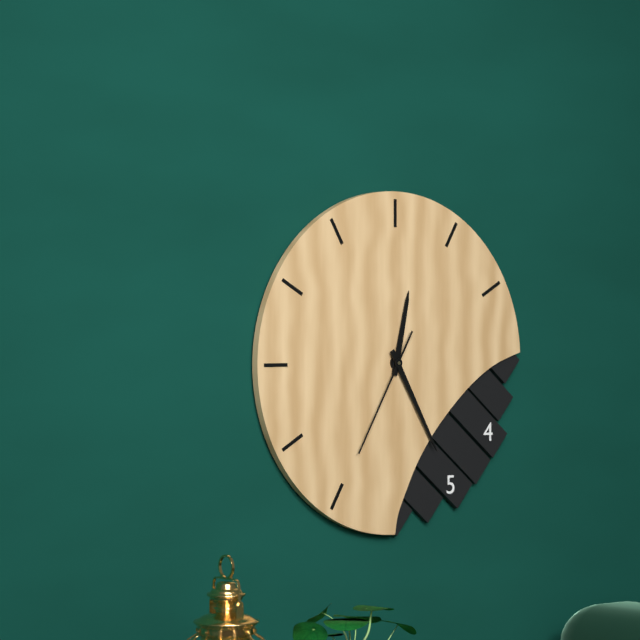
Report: 12:25:35
